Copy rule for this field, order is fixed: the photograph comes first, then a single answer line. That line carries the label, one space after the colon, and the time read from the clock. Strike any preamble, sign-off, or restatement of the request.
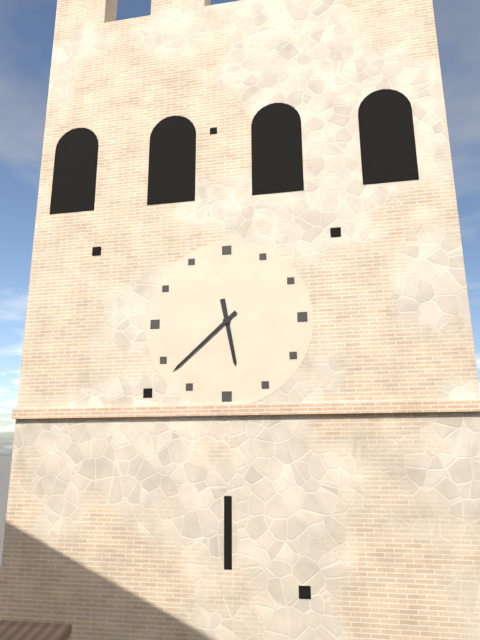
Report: 5:38
